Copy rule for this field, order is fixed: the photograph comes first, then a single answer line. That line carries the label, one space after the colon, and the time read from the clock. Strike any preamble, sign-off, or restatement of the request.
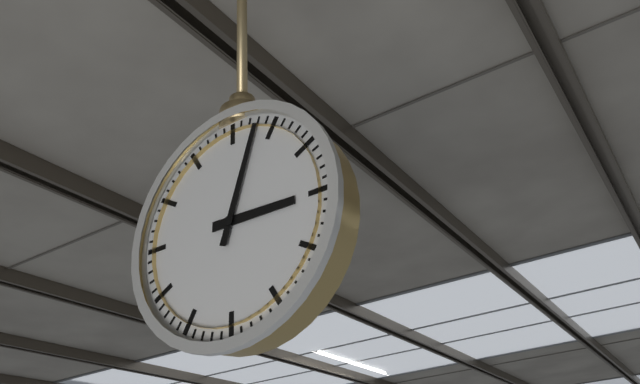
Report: 3:03
